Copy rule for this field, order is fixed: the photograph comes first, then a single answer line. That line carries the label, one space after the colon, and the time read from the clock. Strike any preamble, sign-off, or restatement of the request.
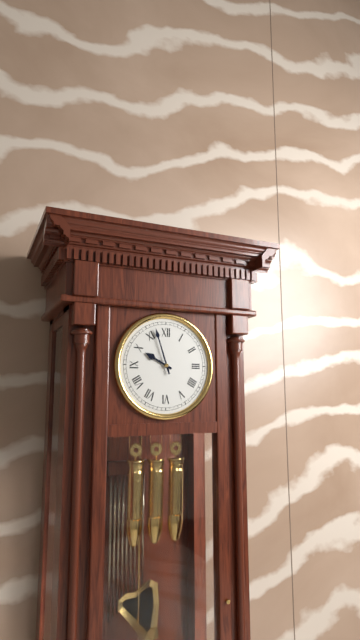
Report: 9:57
